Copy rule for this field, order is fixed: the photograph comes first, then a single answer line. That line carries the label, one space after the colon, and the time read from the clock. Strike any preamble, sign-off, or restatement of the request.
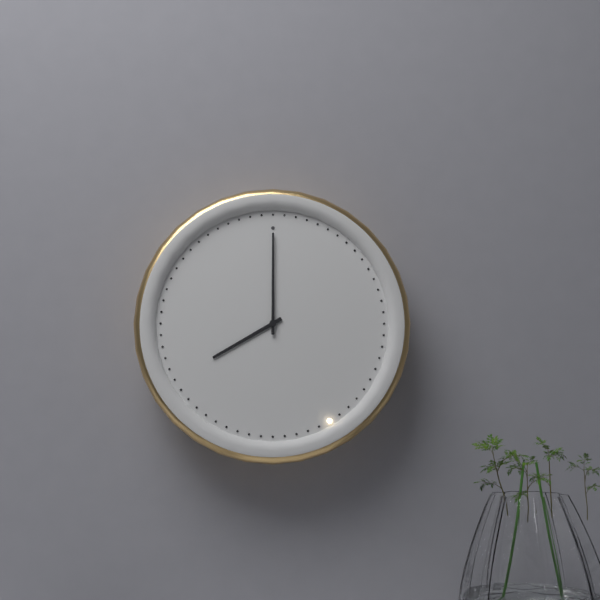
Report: 8:00
